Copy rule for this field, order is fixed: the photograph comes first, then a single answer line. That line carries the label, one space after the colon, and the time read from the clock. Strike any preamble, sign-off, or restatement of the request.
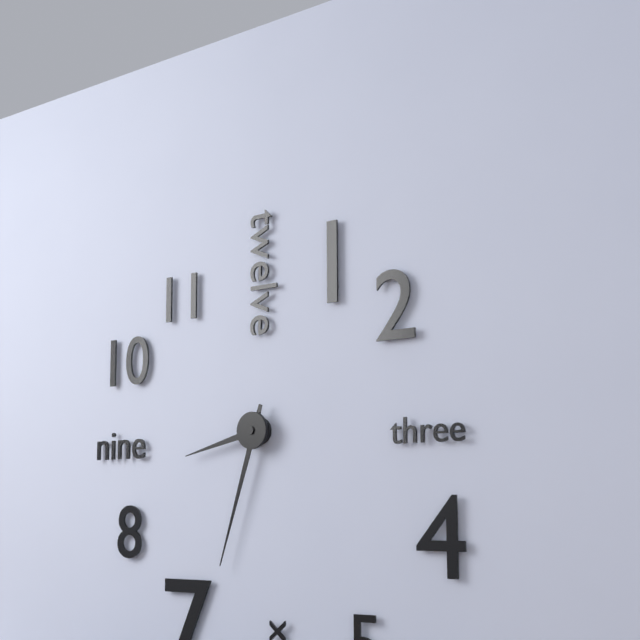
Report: 8:33
